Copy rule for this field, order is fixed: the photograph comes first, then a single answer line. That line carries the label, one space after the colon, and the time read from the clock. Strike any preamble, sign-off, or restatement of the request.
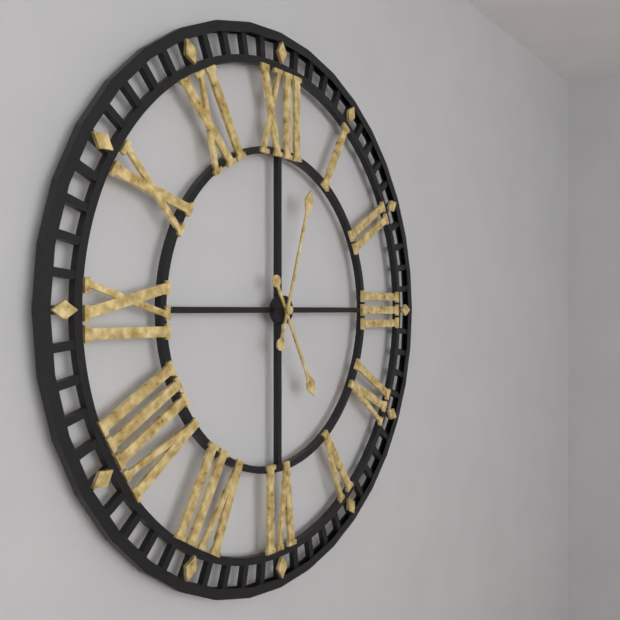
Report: 5:03
